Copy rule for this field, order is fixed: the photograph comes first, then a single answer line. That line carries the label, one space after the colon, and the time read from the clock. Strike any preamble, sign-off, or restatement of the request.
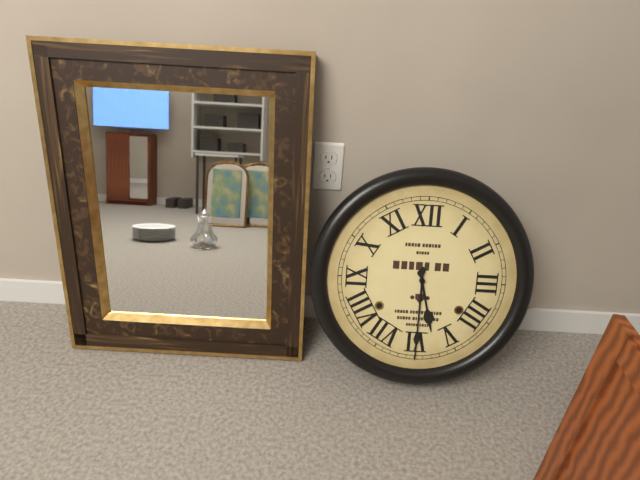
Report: 5:30
